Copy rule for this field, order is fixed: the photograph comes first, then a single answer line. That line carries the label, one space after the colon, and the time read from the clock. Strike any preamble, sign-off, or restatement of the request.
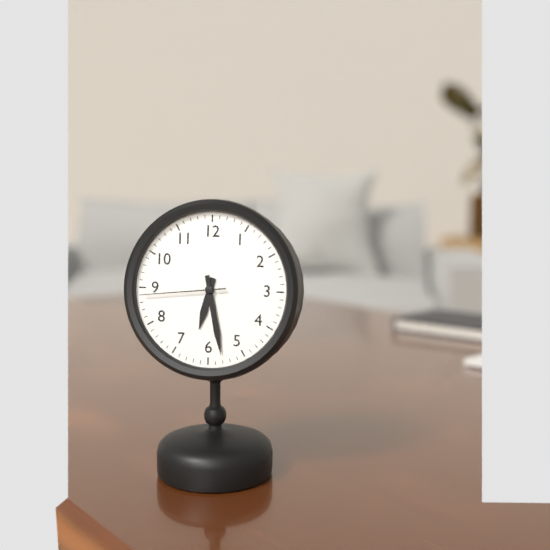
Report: 6:28:44
